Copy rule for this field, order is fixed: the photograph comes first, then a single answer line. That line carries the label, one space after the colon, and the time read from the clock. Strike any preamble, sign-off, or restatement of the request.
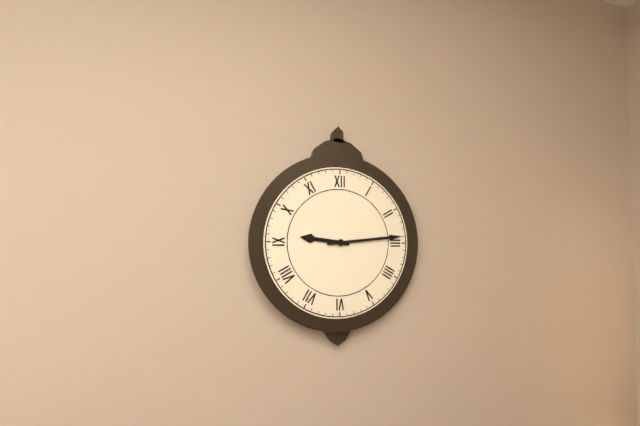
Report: 9:14
